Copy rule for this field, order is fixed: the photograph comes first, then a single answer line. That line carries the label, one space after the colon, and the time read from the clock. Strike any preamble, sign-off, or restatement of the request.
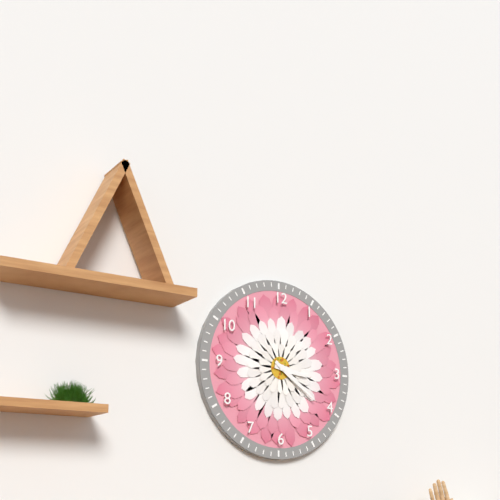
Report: 3:21
